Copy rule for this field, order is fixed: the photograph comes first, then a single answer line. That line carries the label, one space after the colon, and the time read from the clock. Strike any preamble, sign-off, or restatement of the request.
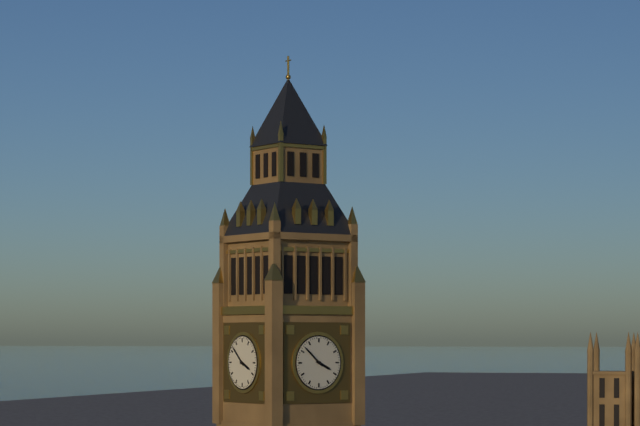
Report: 3:52
